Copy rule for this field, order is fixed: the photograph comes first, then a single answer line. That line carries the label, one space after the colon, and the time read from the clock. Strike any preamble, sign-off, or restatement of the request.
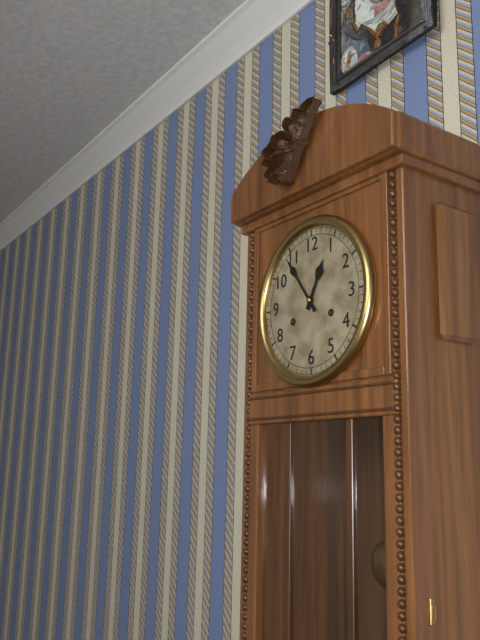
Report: 12:54
